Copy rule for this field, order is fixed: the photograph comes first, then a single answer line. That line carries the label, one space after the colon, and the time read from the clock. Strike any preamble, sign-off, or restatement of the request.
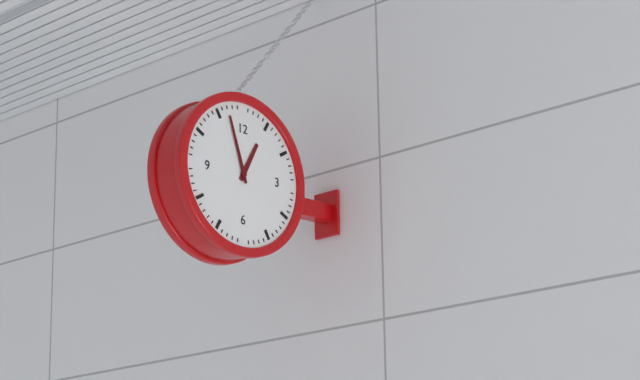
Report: 12:57
